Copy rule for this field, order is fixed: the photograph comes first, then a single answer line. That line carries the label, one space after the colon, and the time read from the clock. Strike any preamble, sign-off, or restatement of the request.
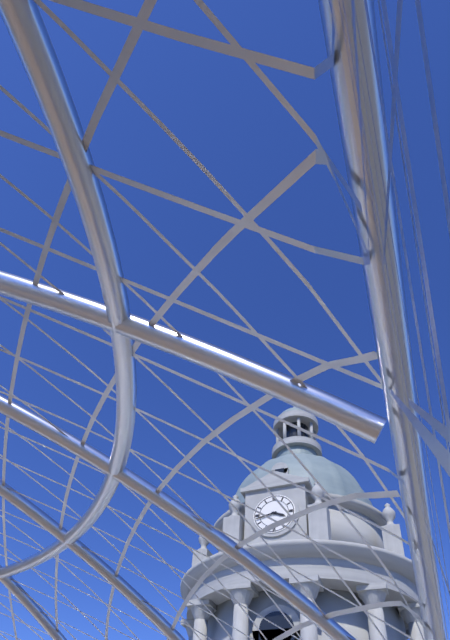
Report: 3:43
